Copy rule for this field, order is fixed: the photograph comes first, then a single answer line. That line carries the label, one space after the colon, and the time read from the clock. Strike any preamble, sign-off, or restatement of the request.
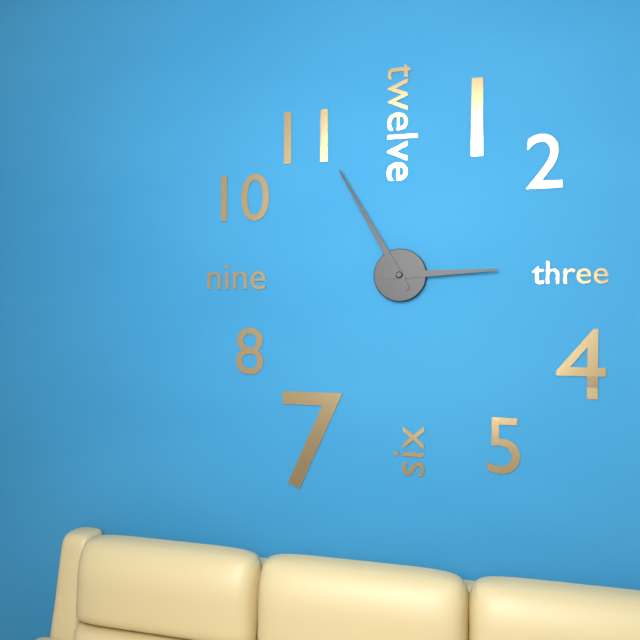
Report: 2:55
